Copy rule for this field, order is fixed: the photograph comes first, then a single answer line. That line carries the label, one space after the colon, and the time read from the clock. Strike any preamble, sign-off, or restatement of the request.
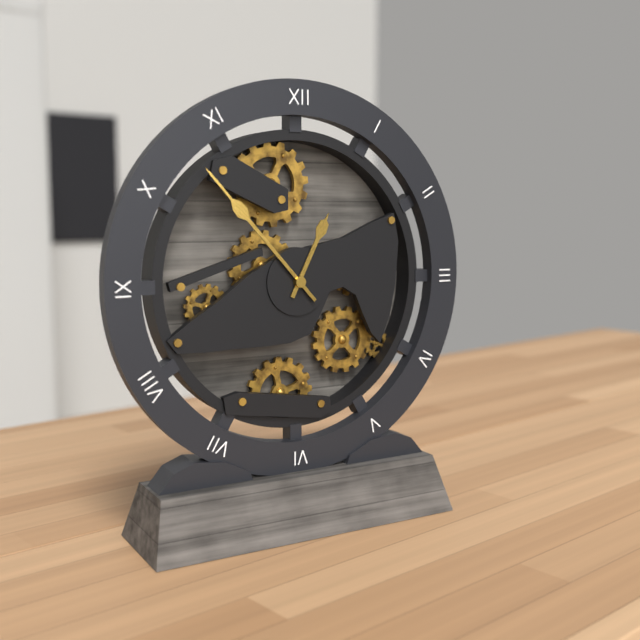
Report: 12:53
